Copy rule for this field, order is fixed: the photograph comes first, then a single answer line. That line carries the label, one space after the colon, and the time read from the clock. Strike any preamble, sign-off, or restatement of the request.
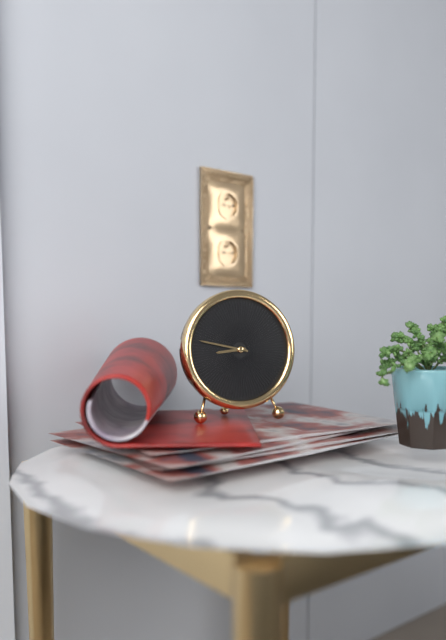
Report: 8:47
